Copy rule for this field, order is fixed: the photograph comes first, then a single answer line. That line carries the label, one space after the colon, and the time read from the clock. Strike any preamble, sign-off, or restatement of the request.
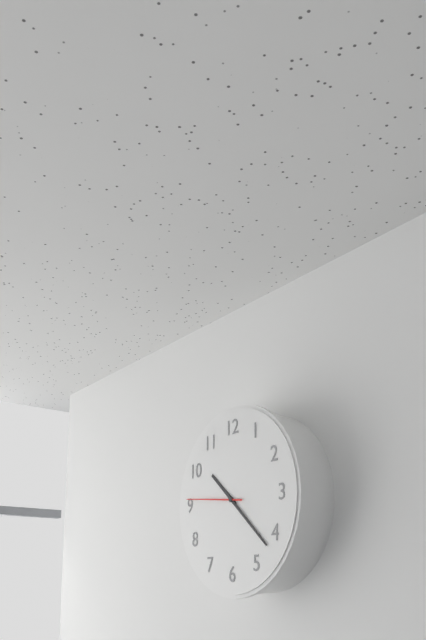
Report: 10:22:46
